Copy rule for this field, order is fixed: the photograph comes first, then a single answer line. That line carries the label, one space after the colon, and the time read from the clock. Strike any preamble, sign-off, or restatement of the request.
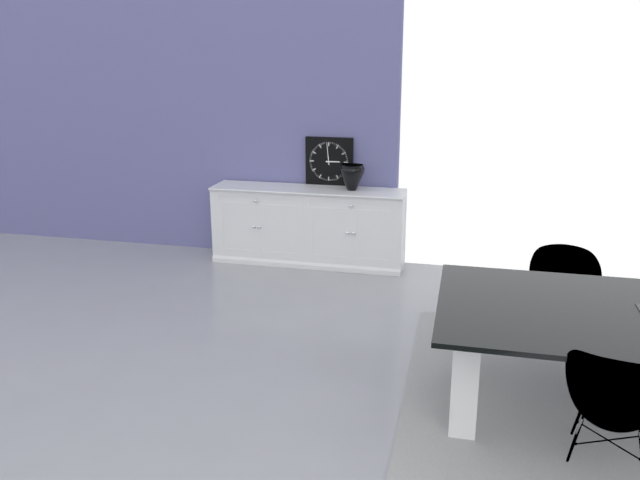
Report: 2:59
